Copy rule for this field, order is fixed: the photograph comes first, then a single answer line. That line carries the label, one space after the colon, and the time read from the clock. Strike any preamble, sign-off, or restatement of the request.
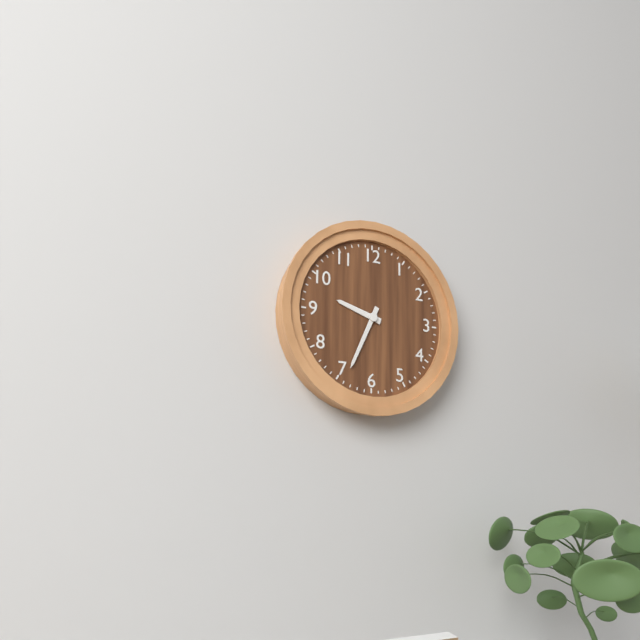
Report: 9:34
